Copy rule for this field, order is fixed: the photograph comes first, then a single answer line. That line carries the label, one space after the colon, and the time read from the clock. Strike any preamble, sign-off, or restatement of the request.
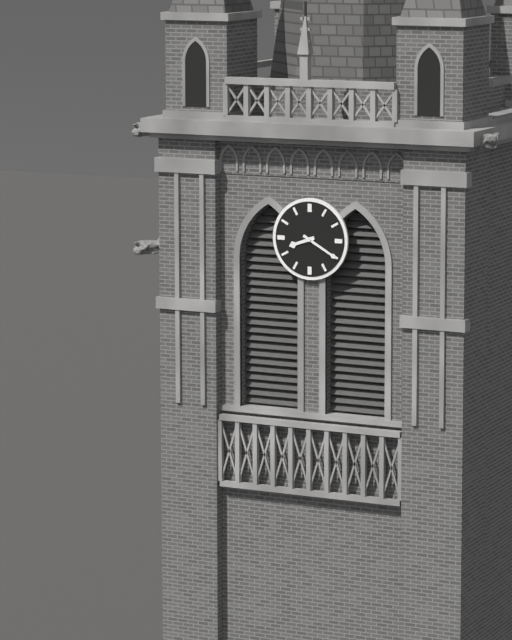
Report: 8:20
